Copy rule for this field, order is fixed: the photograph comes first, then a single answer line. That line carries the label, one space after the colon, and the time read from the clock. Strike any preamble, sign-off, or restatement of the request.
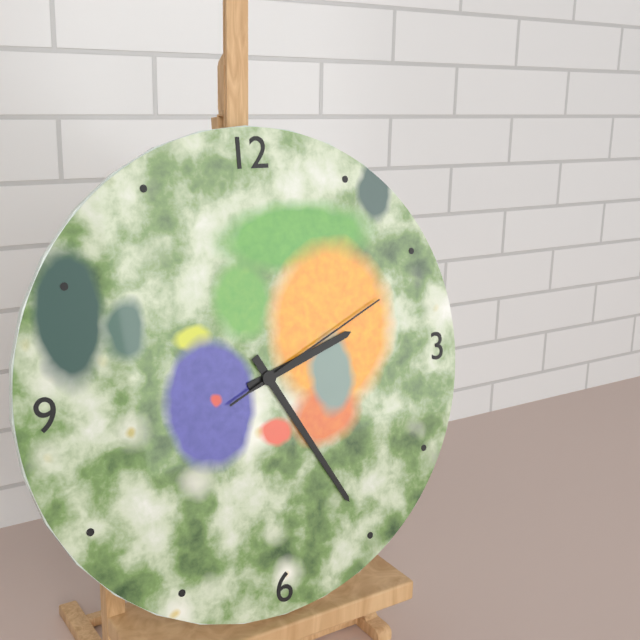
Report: 2:25:11
